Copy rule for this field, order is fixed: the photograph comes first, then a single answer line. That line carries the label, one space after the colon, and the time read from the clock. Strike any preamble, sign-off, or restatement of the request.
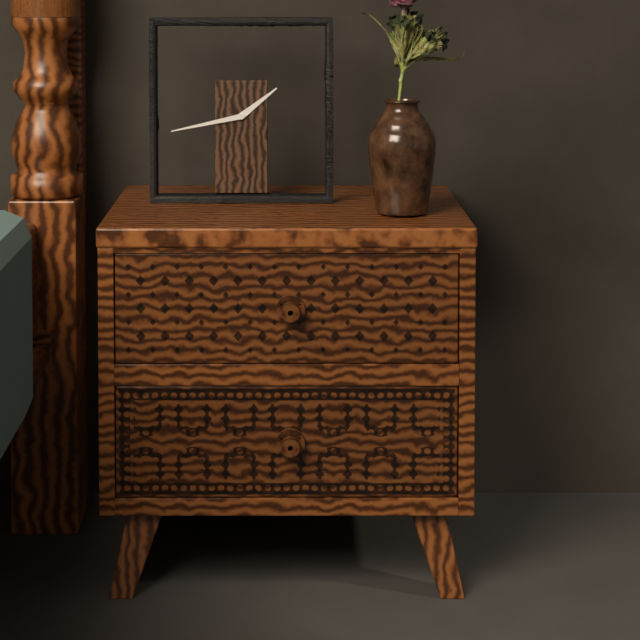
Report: 1:43
